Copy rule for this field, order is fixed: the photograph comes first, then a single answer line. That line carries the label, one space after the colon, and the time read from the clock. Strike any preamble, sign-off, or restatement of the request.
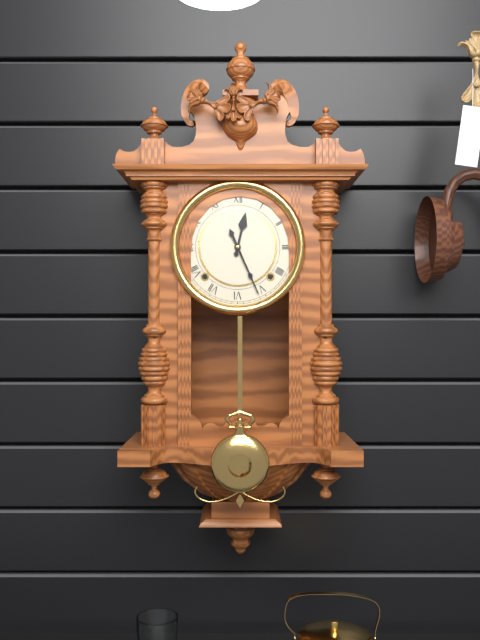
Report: 12:26
